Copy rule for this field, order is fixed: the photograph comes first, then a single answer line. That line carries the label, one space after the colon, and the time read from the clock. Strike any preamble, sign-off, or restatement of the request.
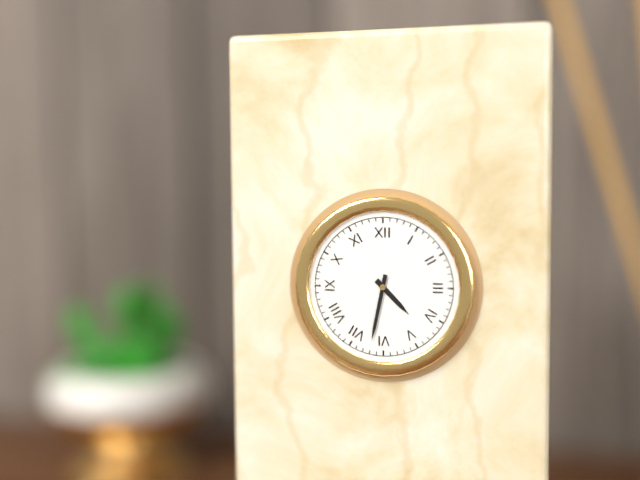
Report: 4:32
